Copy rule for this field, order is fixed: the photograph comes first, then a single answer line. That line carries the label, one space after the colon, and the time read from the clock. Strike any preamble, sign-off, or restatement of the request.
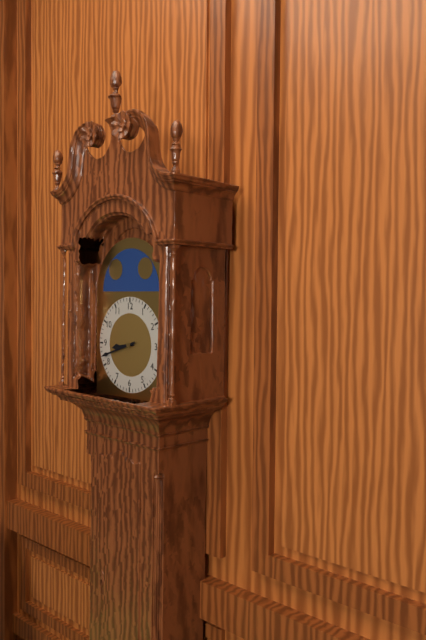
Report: 8:42
